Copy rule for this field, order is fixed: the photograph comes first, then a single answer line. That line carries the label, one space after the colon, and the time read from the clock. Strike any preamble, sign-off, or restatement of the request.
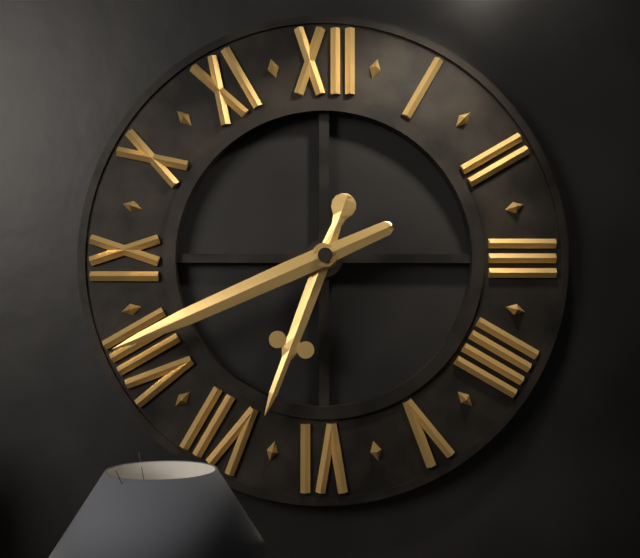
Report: 6:41
